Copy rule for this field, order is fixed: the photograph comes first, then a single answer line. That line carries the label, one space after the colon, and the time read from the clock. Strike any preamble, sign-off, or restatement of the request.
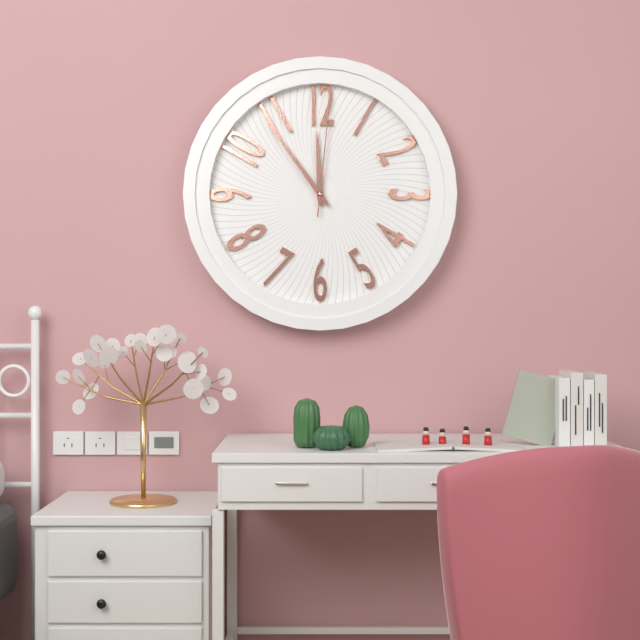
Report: 11:54:01
